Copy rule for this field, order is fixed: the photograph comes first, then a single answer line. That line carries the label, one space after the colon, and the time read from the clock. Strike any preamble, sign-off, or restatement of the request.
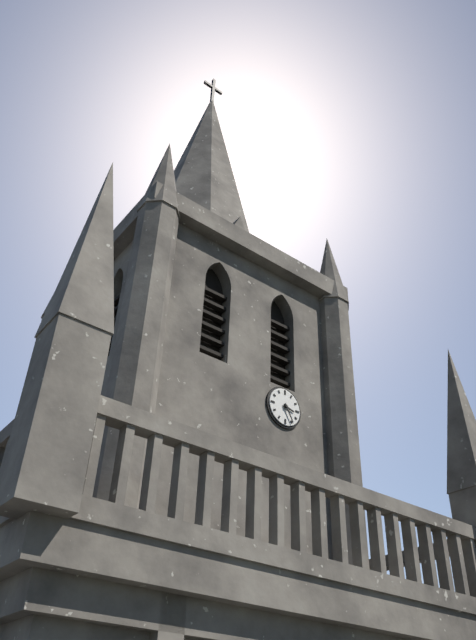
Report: 3:25
